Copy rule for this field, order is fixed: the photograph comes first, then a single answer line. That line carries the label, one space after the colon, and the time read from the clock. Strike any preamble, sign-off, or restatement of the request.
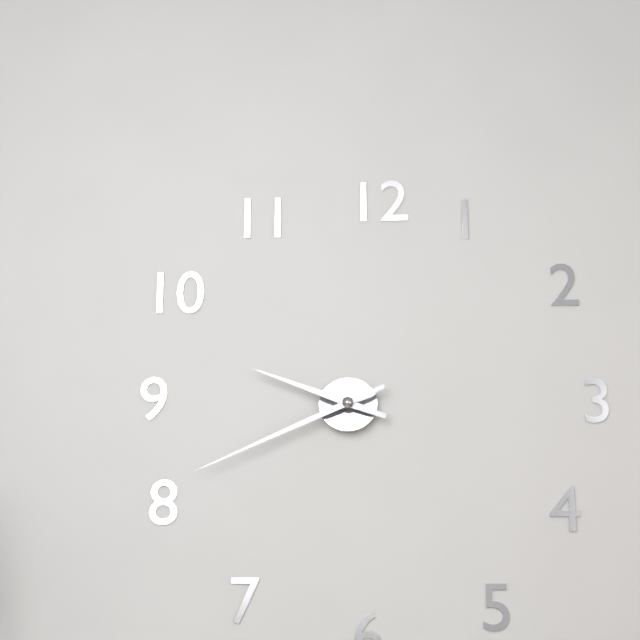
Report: 9:41
